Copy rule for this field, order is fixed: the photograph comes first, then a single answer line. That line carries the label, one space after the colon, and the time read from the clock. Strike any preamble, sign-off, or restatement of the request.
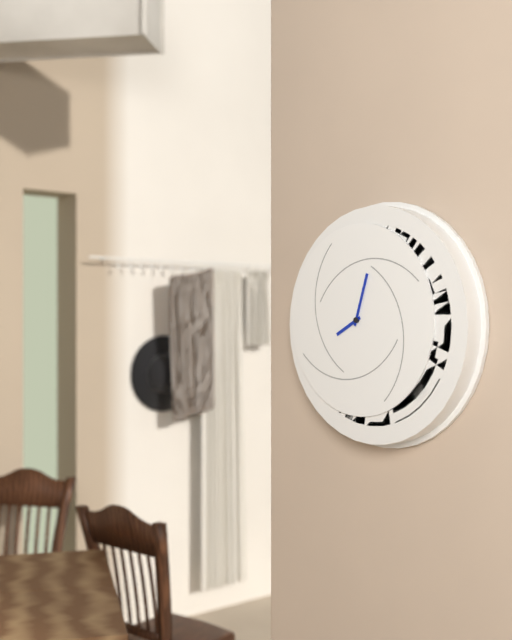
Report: 8:03
